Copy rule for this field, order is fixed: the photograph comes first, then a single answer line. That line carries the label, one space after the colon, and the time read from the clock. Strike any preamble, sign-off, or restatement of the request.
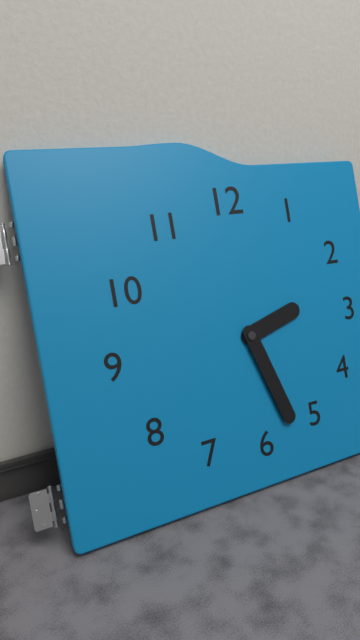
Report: 2:27
